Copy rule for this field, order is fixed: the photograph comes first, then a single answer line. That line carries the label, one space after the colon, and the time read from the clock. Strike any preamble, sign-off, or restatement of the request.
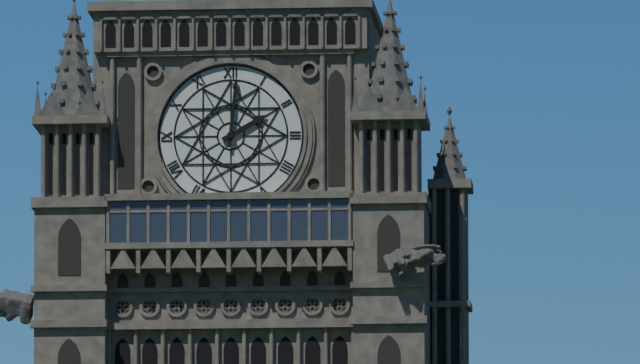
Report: 2:01
